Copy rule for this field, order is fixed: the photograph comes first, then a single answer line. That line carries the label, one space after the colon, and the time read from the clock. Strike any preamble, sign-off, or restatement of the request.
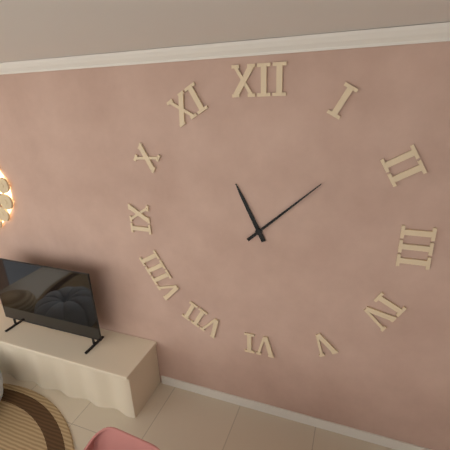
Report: 11:08
